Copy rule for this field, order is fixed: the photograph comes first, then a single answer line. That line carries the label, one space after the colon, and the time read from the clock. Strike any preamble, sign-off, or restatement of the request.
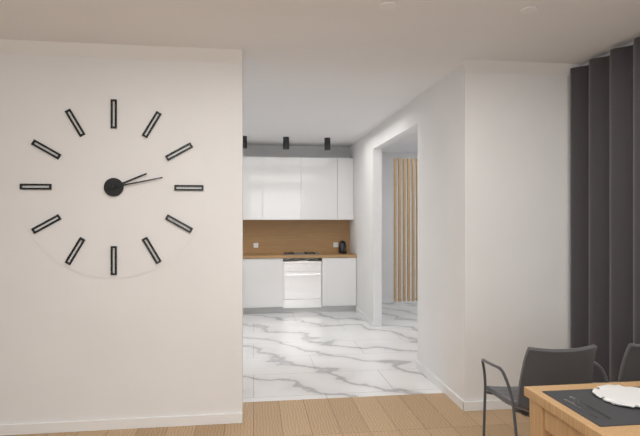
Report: 2:13
